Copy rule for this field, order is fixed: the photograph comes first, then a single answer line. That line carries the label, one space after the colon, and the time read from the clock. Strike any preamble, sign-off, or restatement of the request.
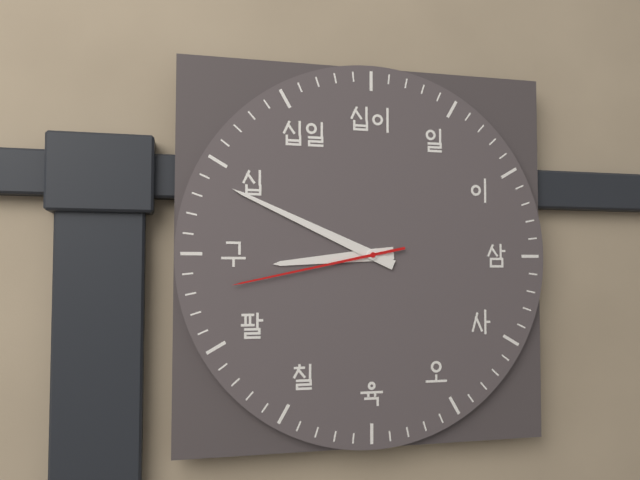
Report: 8:49:43
